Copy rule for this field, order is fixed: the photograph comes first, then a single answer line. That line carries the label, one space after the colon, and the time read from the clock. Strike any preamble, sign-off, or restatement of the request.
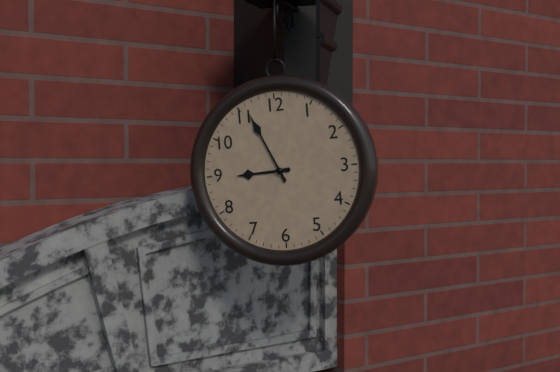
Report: 8:56
